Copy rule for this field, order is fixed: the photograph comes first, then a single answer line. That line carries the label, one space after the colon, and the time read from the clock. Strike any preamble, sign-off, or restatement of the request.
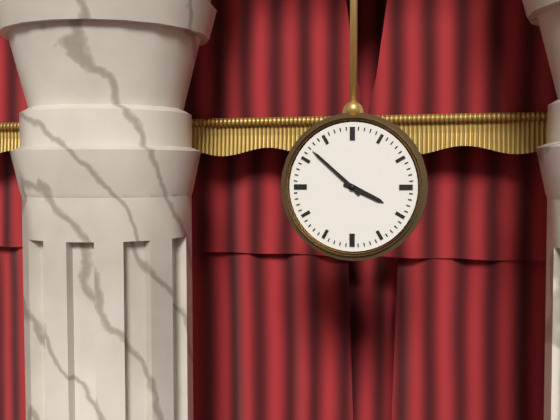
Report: 3:52
